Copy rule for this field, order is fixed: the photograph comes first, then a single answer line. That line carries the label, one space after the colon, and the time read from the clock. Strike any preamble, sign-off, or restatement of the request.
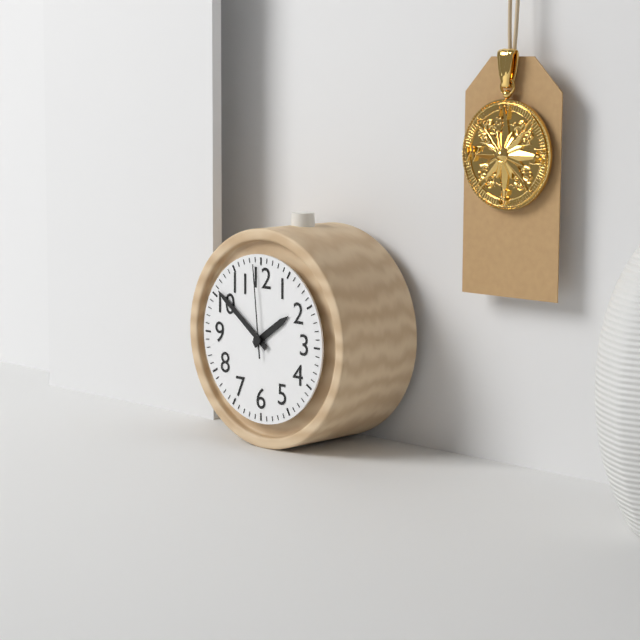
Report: 1:51:59
